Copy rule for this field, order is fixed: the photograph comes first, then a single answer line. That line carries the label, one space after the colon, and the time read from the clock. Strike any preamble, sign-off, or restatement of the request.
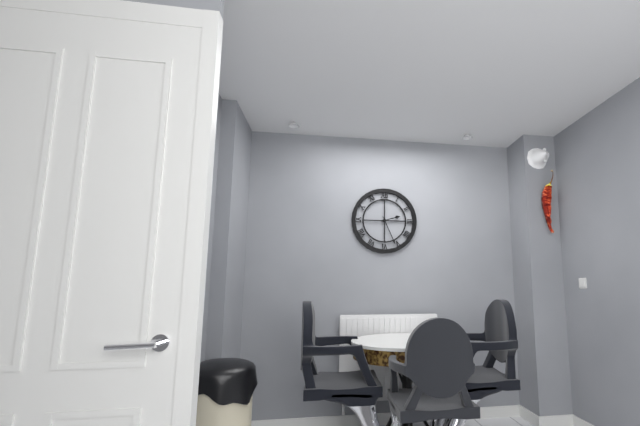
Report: 2:26
